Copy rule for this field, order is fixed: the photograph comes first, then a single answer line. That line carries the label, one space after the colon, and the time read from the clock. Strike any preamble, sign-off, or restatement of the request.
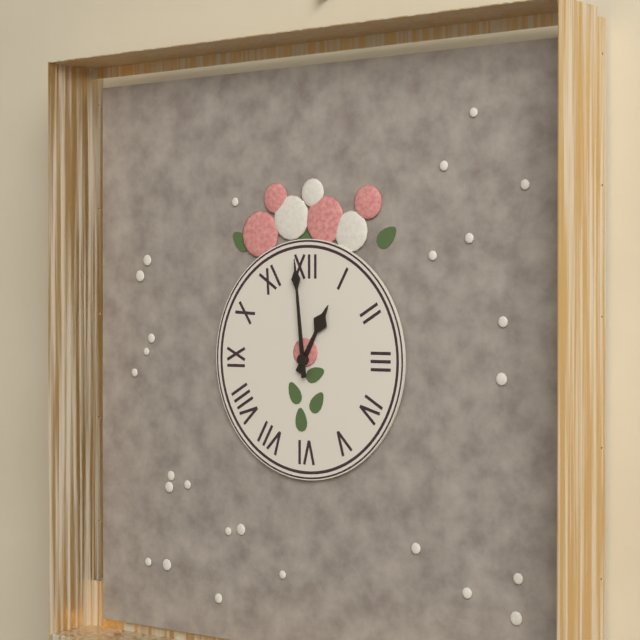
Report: 12:59
